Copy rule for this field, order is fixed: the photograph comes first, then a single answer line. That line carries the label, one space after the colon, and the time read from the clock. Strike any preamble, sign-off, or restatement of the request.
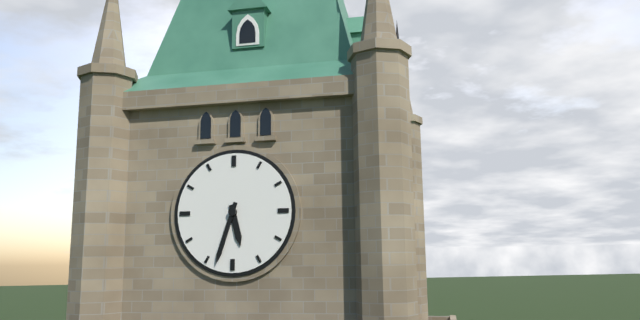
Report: 5:33
